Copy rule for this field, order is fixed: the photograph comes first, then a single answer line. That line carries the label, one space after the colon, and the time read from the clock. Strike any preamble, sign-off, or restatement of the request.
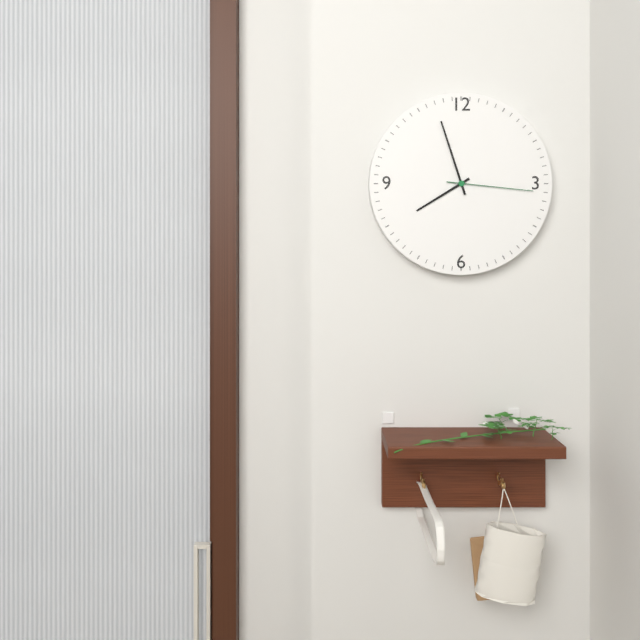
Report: 7:57:16
